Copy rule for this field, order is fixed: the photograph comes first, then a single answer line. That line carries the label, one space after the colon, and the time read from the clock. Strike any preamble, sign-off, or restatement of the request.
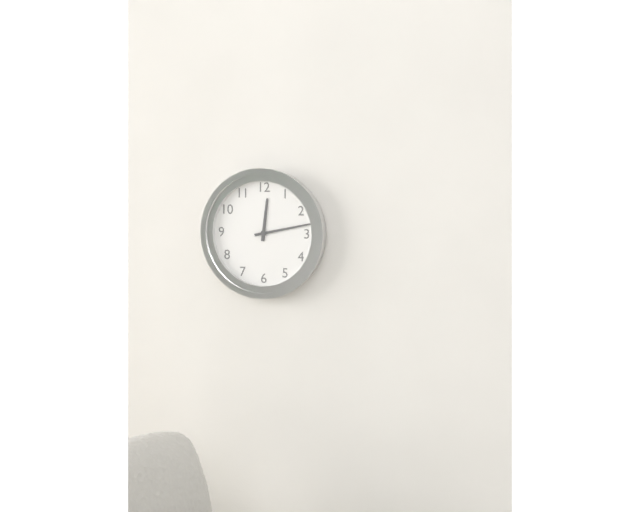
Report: 12:13
